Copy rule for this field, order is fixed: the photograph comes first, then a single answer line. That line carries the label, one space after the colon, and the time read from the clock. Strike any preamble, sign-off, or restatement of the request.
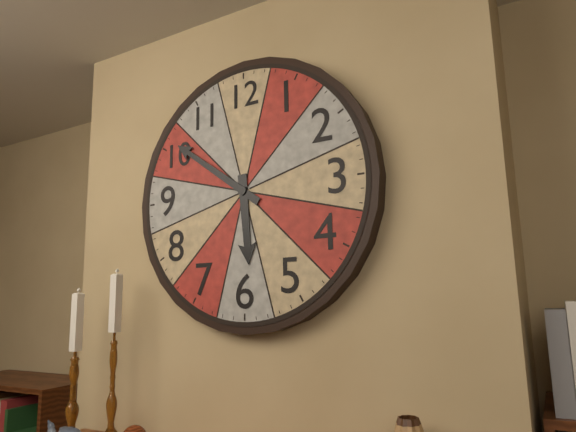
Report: 5:51
